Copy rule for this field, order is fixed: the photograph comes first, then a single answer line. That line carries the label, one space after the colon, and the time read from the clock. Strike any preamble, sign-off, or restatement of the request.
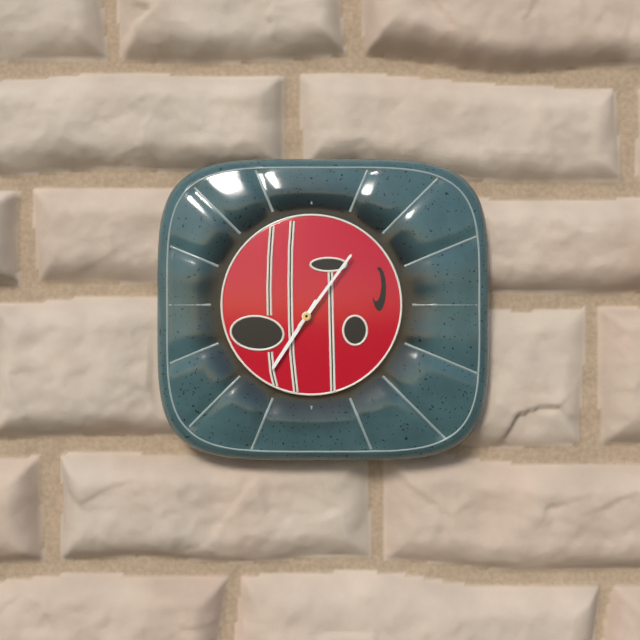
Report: 7:06
